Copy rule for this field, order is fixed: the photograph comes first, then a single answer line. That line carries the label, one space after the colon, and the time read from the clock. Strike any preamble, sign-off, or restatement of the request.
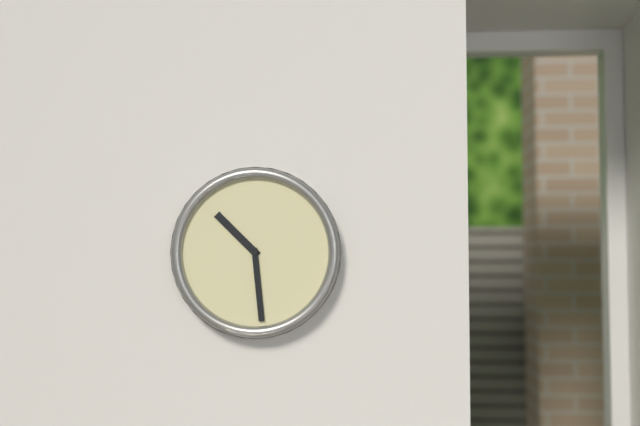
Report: 10:29
